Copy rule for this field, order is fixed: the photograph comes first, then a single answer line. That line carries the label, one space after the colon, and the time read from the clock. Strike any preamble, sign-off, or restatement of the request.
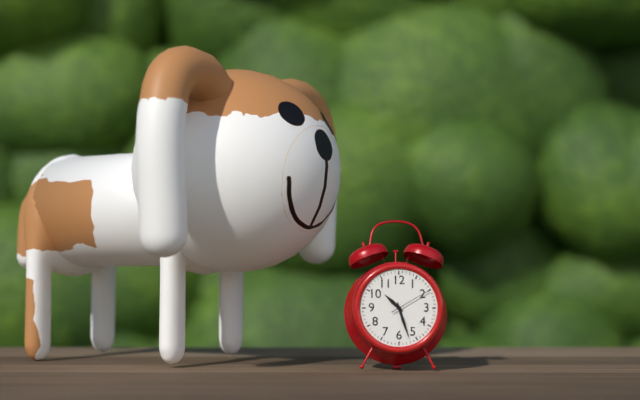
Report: 10:27
